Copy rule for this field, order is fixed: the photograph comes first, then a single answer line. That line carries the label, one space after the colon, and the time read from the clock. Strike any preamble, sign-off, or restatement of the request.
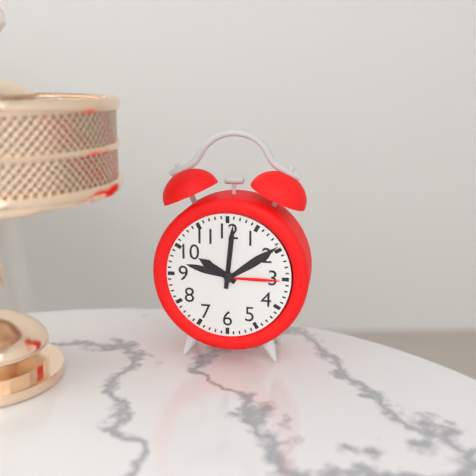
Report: 10:01
